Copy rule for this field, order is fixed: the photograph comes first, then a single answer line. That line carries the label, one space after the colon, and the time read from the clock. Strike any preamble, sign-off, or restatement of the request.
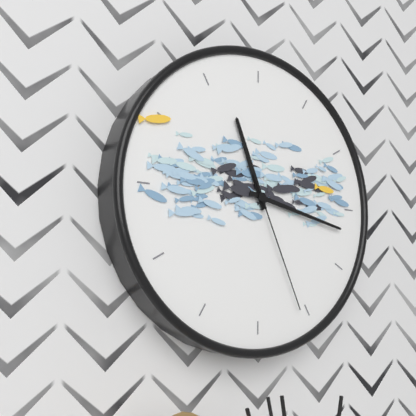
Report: 11:17:26
